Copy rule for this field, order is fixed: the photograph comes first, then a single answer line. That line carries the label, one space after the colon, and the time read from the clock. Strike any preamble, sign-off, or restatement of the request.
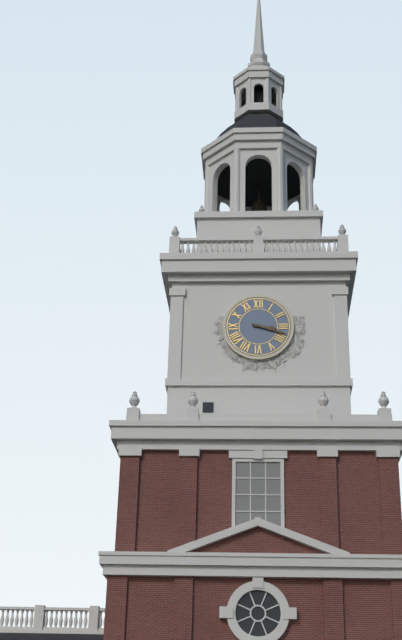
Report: 3:18
